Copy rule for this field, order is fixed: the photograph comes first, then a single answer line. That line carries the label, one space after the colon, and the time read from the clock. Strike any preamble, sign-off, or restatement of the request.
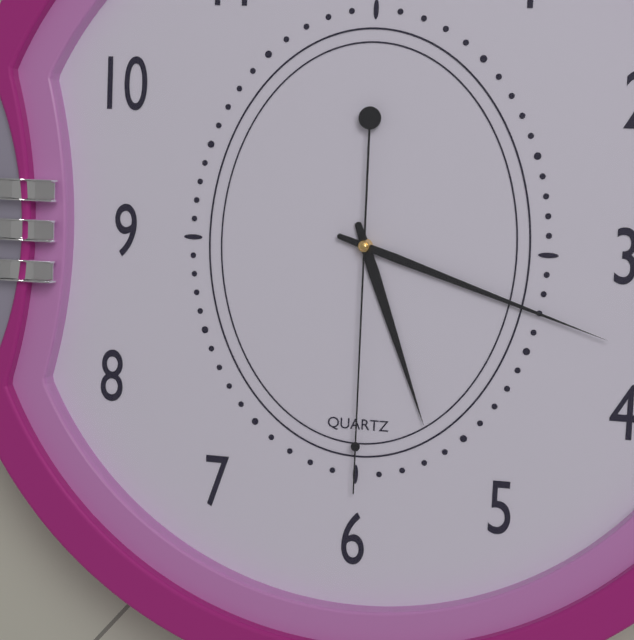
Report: 5:18:30
